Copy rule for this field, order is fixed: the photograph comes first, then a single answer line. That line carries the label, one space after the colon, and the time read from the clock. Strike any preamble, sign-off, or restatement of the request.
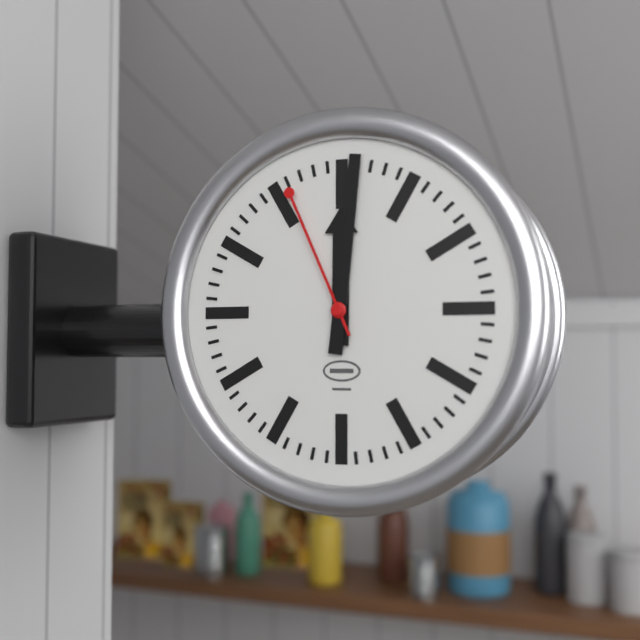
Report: 12:01:56
